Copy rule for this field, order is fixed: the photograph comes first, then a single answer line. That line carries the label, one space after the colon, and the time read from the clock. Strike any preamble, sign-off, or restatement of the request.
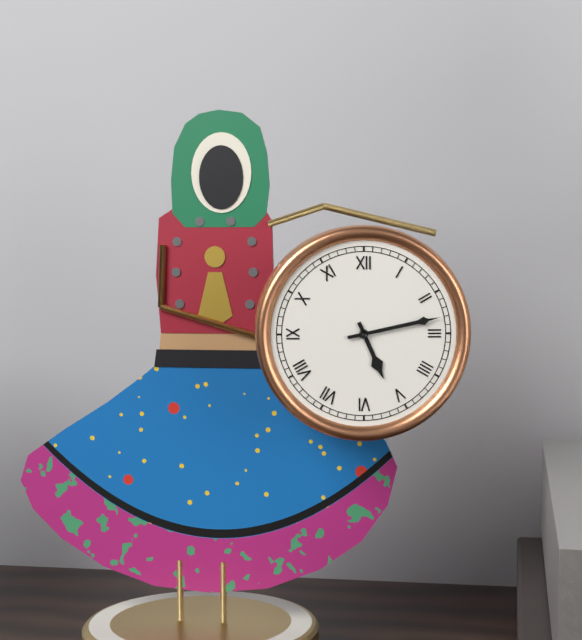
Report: 5:13
